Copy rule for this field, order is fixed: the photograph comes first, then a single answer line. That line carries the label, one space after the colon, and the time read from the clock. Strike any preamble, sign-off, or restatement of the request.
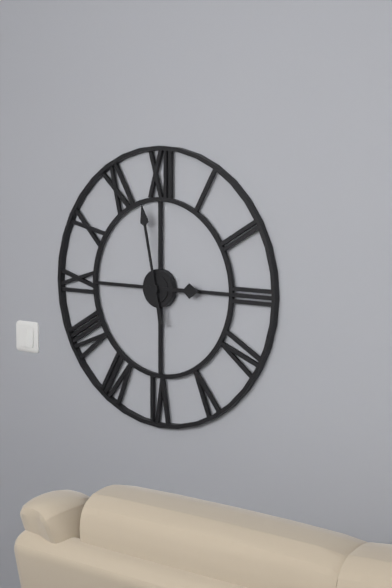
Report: 2:58
